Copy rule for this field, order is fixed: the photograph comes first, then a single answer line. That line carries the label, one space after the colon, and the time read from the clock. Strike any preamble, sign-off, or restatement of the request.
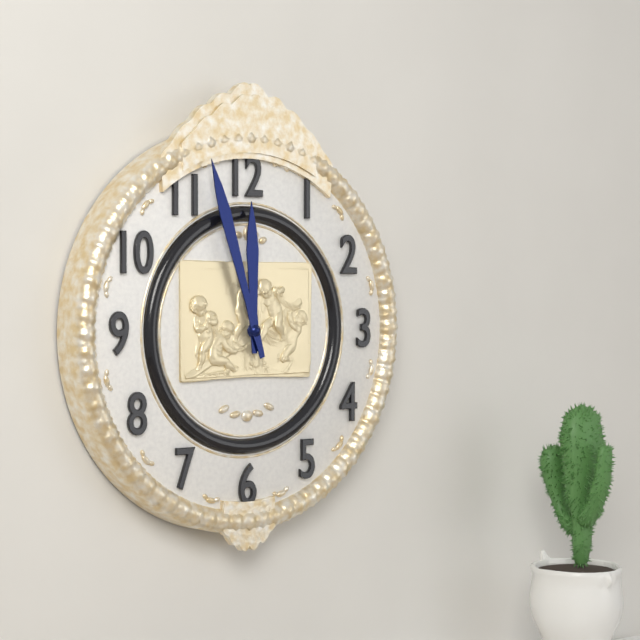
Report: 11:57
